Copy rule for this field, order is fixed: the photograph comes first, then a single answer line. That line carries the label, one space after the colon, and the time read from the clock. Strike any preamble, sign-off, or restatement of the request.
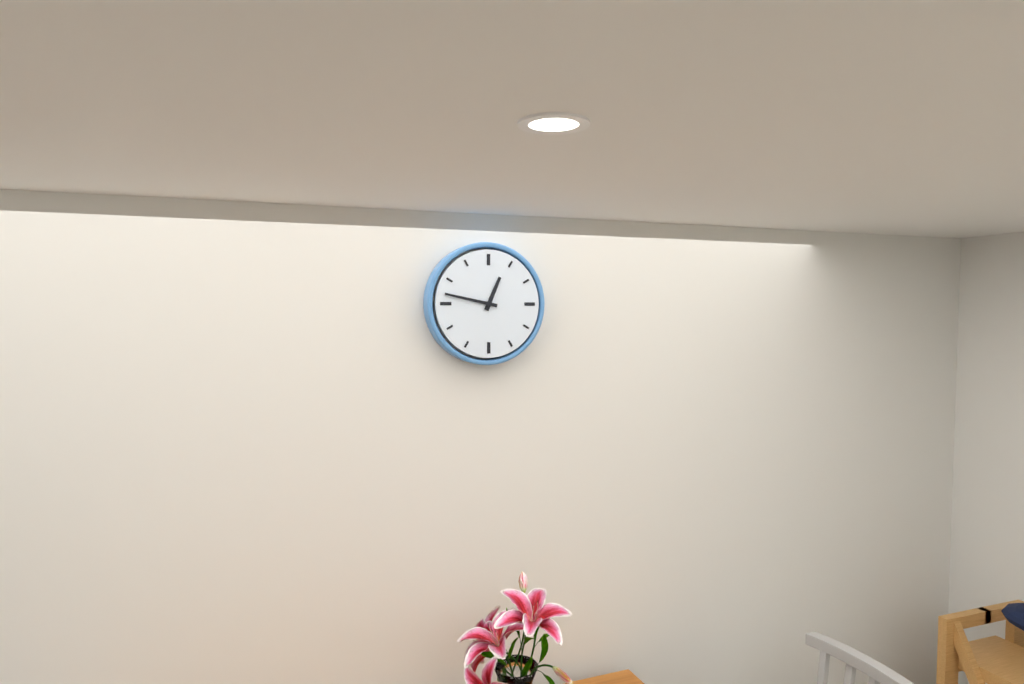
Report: 12:47
